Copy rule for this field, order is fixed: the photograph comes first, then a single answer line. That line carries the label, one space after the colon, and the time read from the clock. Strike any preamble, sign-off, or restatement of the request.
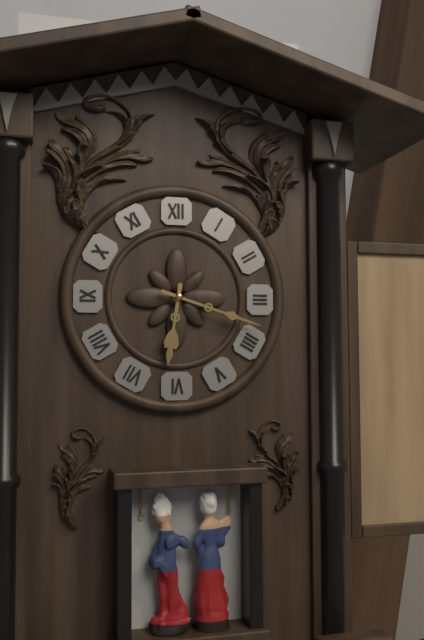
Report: 6:18
